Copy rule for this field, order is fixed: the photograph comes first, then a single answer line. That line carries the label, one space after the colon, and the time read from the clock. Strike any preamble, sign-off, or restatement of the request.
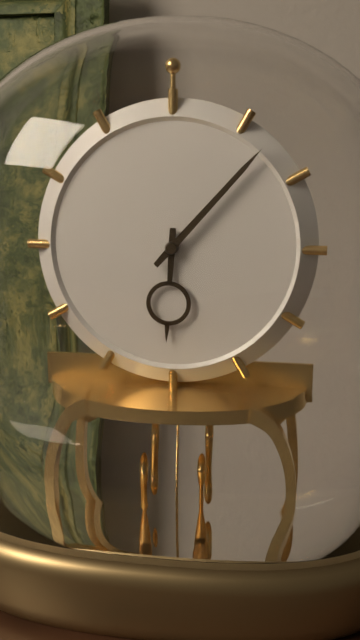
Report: 6:07
